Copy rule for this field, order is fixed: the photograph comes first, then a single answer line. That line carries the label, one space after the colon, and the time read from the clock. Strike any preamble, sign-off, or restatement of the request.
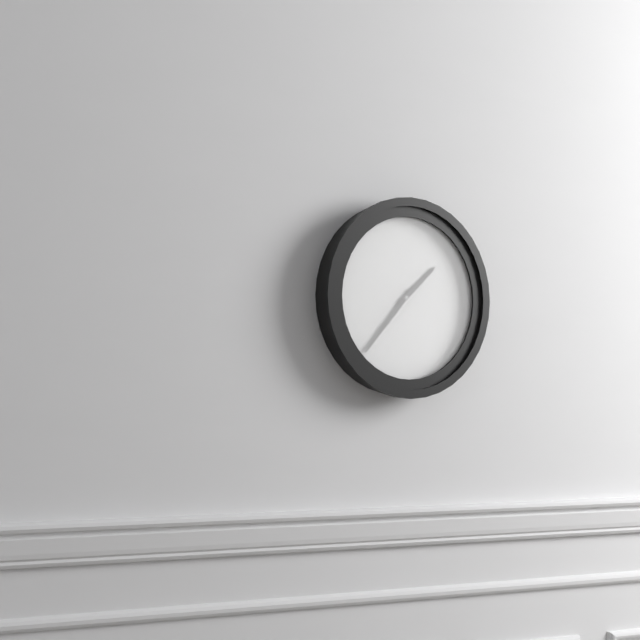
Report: 1:37
